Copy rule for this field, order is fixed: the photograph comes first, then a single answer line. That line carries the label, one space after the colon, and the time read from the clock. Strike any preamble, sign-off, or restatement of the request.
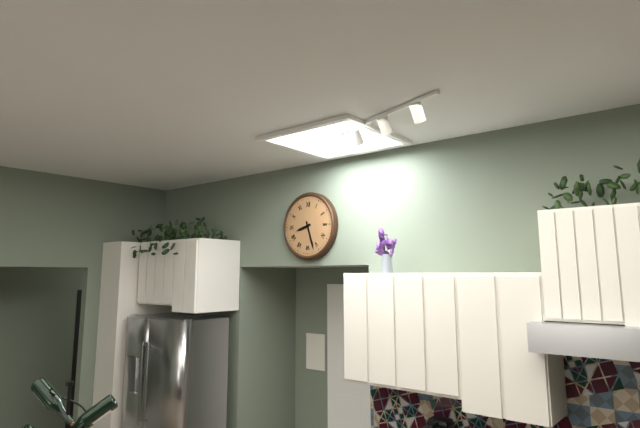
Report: 8:27
